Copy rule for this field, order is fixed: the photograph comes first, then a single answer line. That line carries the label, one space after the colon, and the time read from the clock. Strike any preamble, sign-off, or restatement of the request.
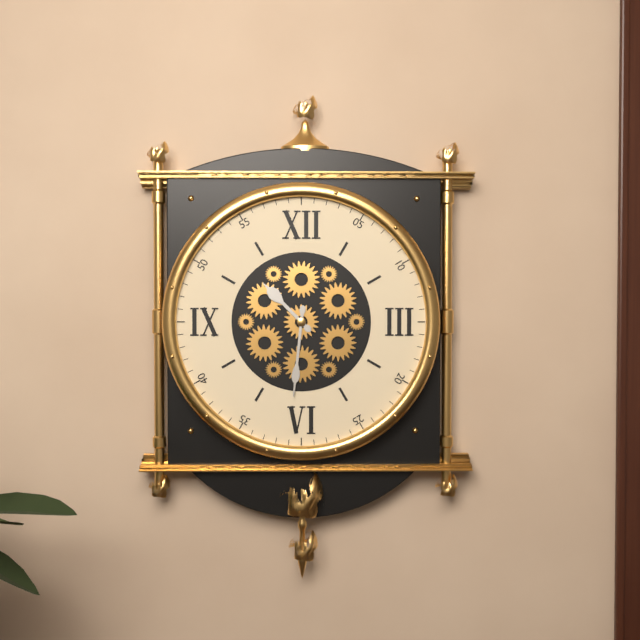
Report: 10:31
